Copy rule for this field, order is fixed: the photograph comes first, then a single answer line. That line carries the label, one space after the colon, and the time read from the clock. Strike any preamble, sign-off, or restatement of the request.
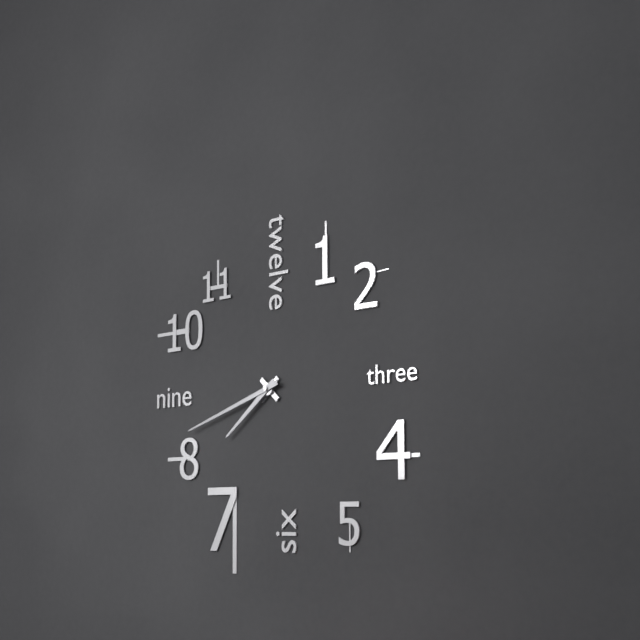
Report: 7:42
